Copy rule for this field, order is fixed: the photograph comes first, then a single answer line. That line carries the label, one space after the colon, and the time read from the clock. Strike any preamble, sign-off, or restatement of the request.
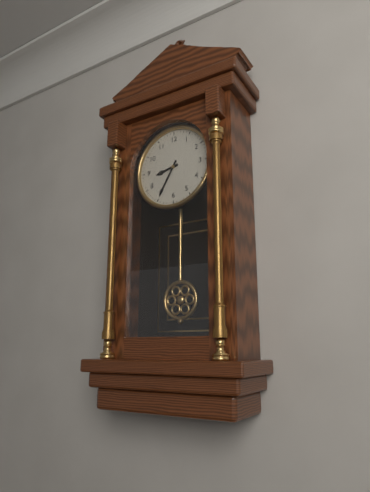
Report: 8:35
